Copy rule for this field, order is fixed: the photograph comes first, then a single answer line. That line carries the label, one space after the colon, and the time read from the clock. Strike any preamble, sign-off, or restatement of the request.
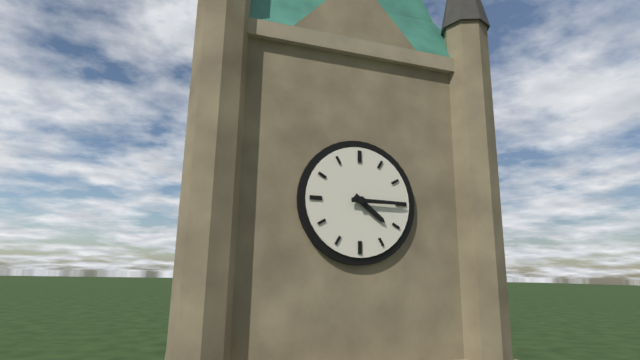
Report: 4:15
